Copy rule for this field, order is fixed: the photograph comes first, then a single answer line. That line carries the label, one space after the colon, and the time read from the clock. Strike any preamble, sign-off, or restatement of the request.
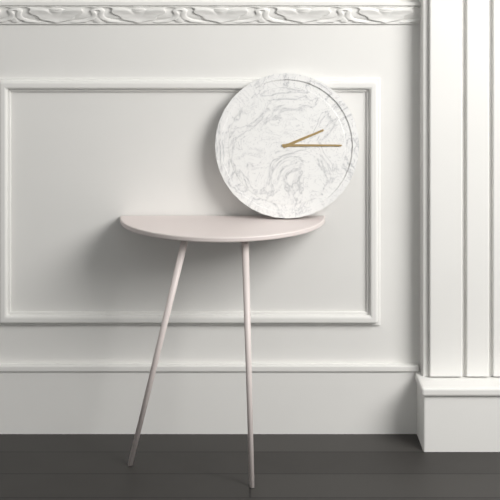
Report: 2:15
